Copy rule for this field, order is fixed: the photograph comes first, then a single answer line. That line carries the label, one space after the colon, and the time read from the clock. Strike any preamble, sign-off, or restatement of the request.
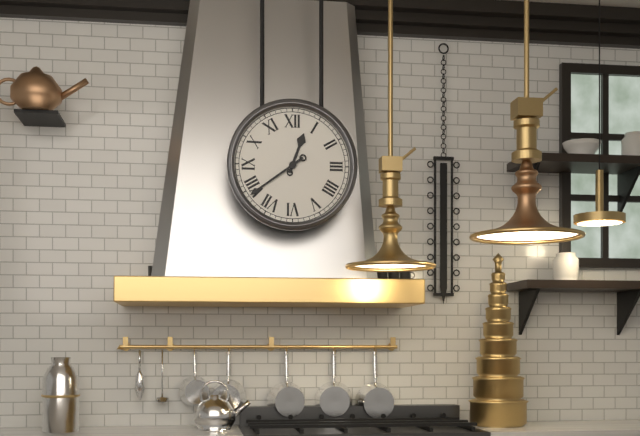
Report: 12:39
